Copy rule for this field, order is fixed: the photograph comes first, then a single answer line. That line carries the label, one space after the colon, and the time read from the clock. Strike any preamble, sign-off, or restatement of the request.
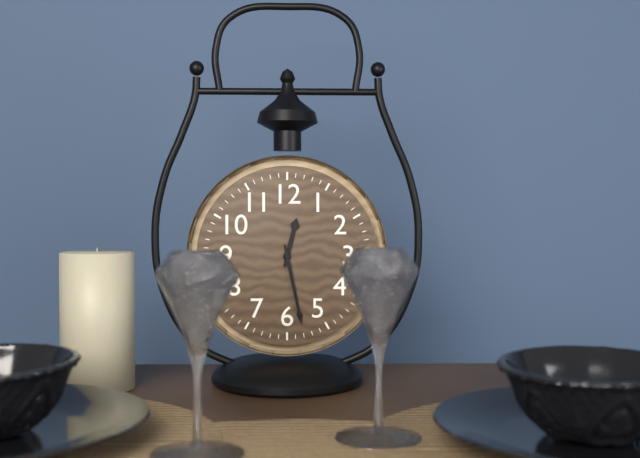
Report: 12:28
